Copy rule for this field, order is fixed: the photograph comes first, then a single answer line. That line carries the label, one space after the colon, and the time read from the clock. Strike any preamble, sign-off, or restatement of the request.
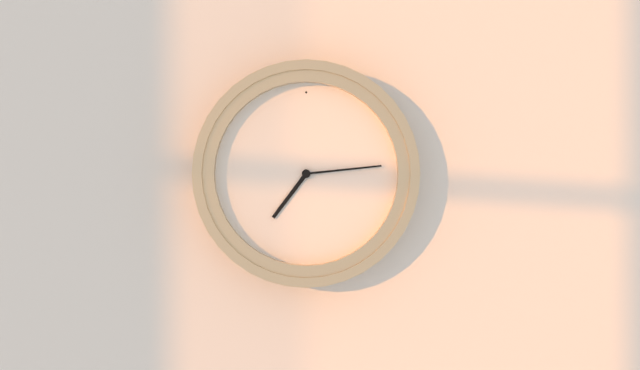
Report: 7:14
